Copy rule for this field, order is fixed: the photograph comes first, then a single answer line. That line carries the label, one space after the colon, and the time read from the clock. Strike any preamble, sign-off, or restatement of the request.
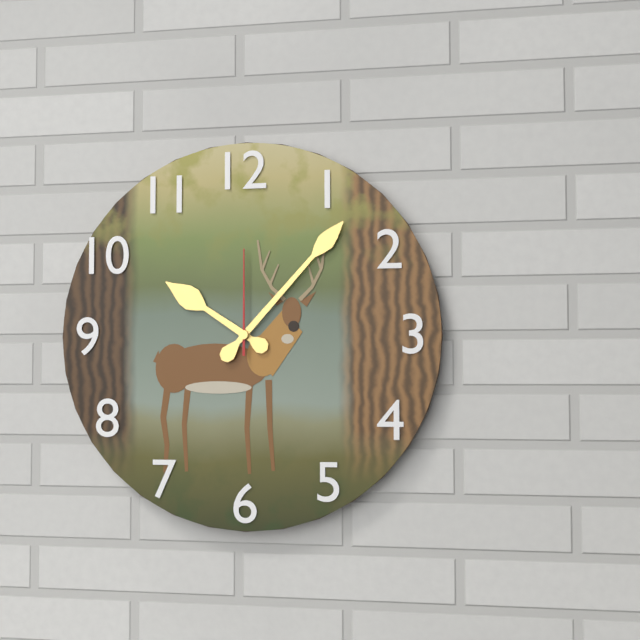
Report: 10:07:00
